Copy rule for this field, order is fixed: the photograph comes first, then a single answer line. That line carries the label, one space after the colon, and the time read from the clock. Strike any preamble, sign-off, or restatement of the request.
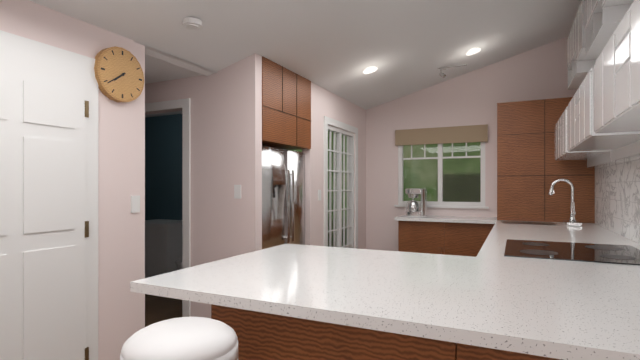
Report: 7:39
